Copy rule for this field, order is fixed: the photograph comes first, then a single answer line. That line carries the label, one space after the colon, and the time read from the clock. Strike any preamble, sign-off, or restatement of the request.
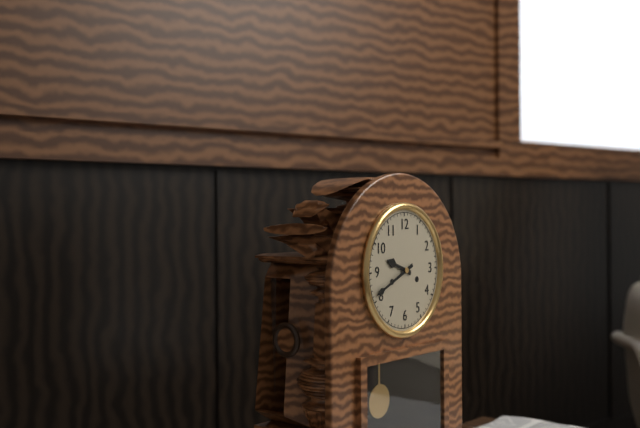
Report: 9:41
